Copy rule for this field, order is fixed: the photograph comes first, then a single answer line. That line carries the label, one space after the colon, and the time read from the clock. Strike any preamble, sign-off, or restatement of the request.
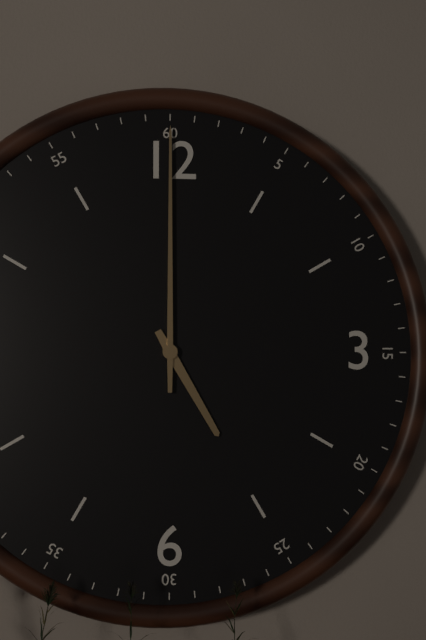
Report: 5:00
